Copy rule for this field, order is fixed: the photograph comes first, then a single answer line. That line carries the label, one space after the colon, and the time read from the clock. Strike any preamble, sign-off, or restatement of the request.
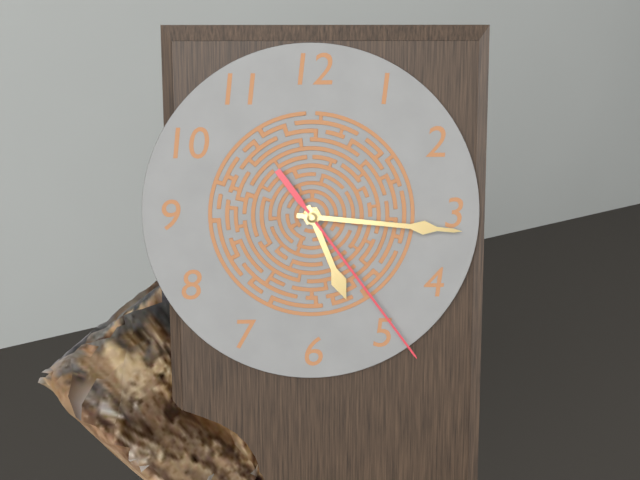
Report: 5:16:24
